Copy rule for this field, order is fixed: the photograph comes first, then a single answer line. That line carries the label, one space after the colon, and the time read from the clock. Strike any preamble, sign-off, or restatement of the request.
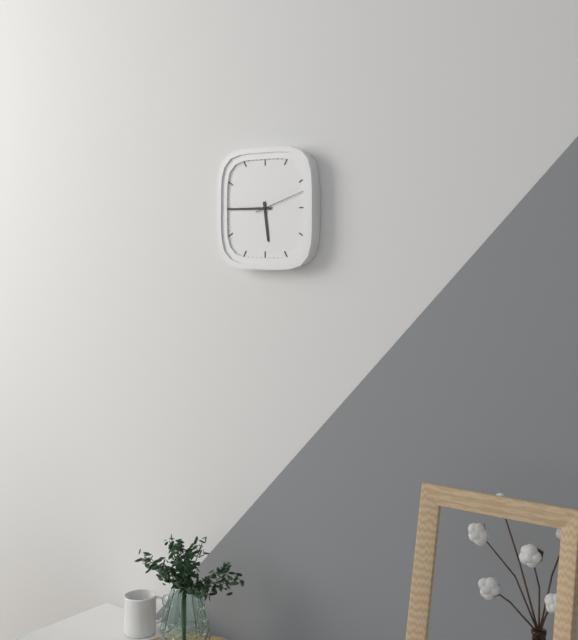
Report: 5:45:12
